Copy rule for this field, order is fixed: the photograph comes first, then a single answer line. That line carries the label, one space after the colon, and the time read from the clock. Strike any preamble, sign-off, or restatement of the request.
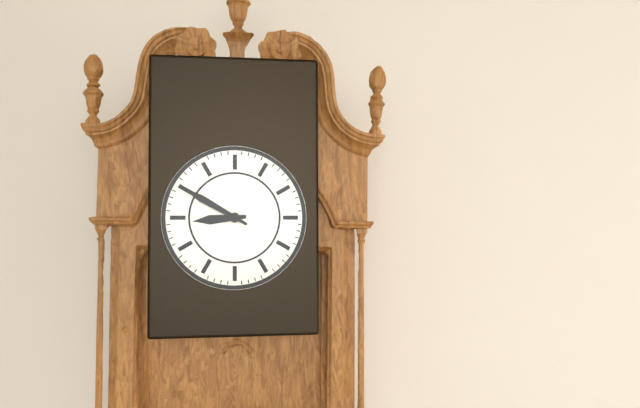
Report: 8:50
